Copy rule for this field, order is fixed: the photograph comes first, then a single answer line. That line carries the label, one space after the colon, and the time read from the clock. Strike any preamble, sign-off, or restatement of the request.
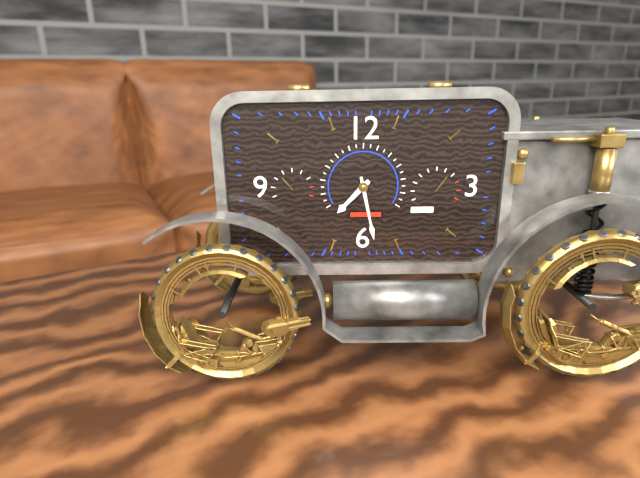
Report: 7:28
